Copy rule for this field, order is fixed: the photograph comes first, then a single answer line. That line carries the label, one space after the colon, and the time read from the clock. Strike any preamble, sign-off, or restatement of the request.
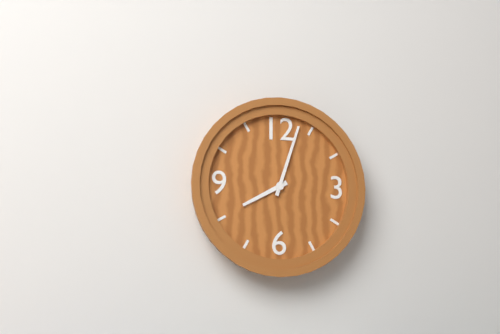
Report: 8:03
